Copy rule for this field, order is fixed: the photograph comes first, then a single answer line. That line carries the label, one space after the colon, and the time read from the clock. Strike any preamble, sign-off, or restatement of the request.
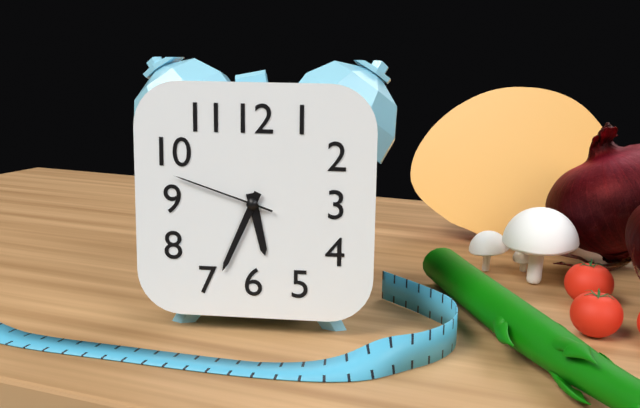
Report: 5:34:48
